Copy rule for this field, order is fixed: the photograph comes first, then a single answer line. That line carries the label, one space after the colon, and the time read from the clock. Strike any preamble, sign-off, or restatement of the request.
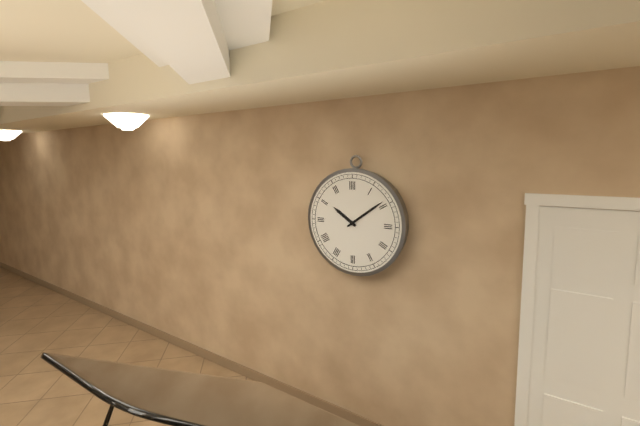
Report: 10:09
